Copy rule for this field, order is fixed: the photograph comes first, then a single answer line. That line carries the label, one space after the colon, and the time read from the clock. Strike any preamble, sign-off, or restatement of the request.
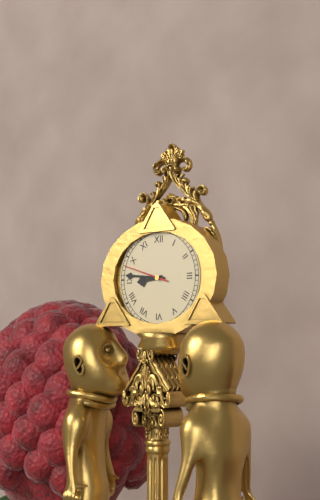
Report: 8:46
